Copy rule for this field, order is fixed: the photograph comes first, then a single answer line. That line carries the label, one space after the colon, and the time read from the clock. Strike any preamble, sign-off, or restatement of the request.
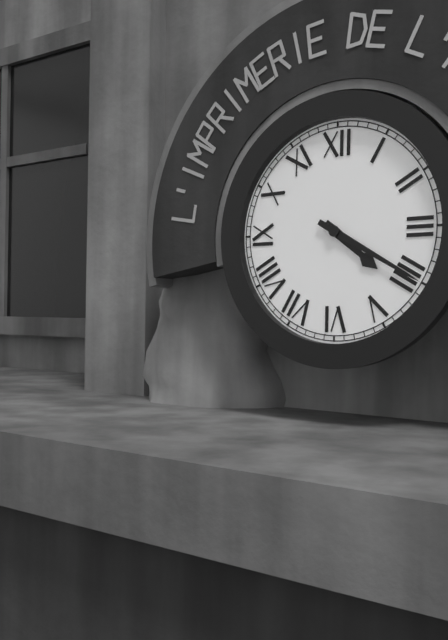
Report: 4:20
